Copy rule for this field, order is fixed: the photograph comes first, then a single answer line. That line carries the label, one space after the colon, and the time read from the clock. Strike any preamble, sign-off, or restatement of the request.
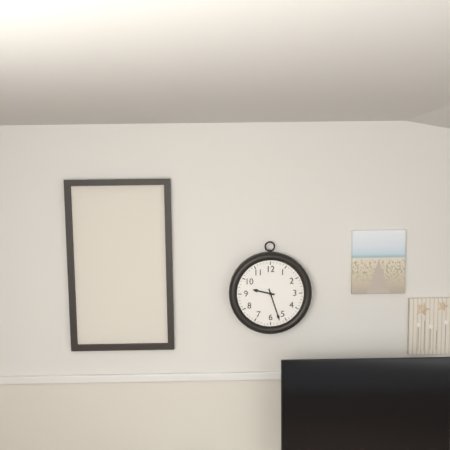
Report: 9:27
